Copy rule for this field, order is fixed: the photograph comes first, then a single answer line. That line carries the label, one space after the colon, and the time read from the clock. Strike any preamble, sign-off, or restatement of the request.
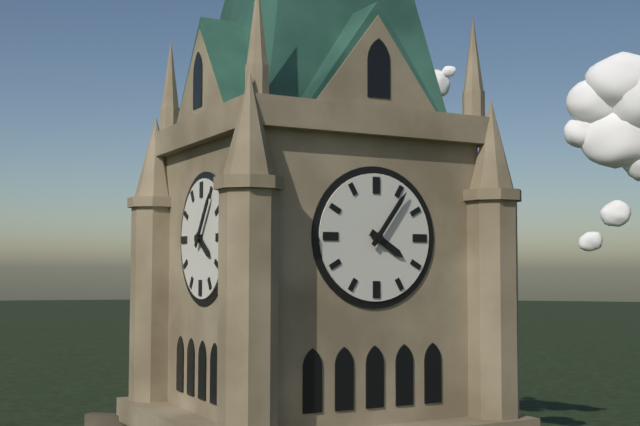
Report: 4:06
